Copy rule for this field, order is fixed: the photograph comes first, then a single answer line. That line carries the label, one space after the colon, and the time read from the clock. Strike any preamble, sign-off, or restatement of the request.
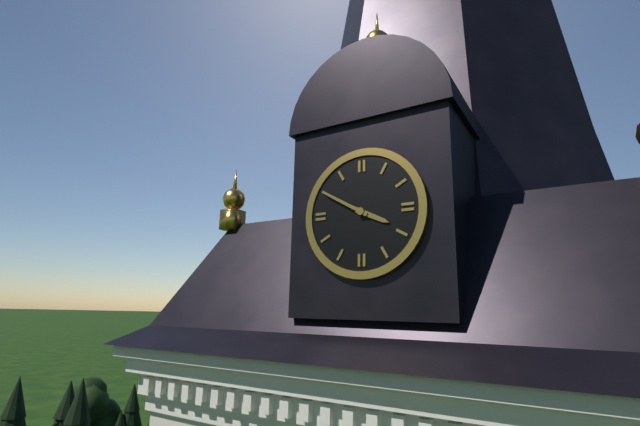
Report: 3:50
